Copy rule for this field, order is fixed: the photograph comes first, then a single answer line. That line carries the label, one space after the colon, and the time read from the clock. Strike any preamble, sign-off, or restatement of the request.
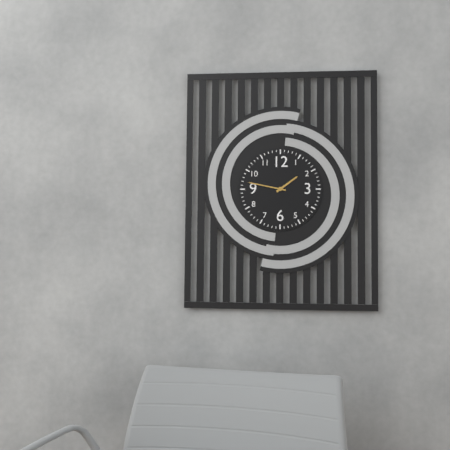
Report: 1:47
